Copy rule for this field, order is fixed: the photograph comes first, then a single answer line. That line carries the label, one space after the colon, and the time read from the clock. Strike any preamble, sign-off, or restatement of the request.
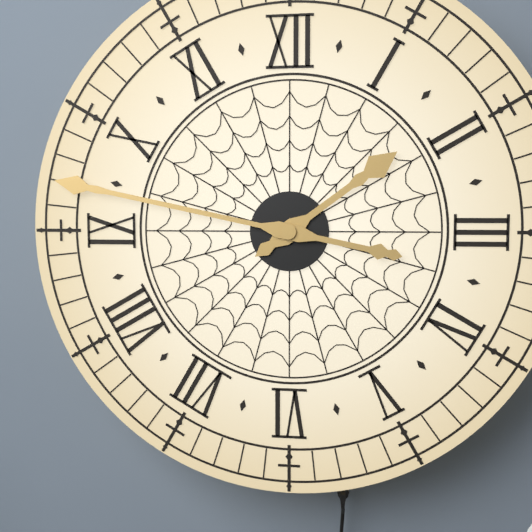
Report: 1:47
